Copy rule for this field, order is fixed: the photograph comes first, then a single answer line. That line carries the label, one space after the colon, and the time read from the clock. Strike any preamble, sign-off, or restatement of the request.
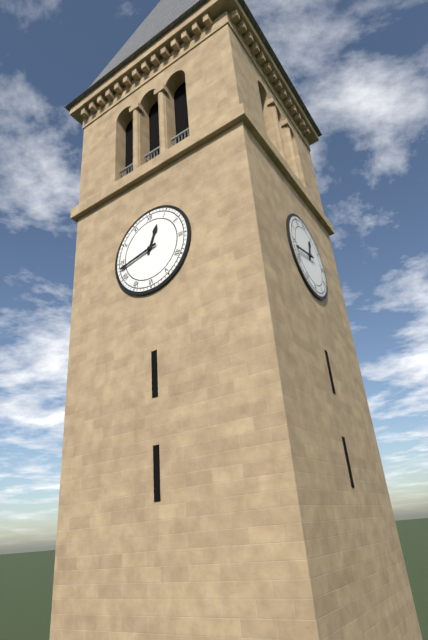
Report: 12:43
